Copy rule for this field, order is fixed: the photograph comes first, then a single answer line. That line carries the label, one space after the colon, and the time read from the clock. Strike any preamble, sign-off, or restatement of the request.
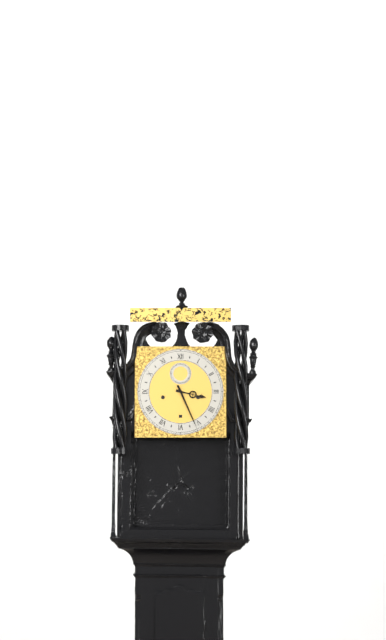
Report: 3:26
